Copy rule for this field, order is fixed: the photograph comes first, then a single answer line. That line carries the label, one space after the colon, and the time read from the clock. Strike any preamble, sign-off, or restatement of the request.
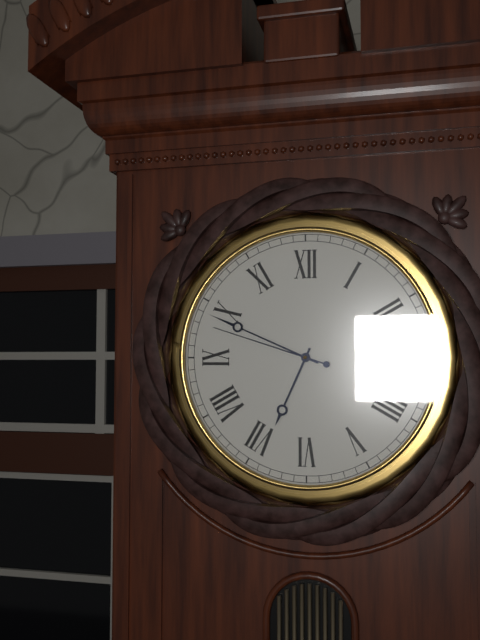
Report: 6:49:48
